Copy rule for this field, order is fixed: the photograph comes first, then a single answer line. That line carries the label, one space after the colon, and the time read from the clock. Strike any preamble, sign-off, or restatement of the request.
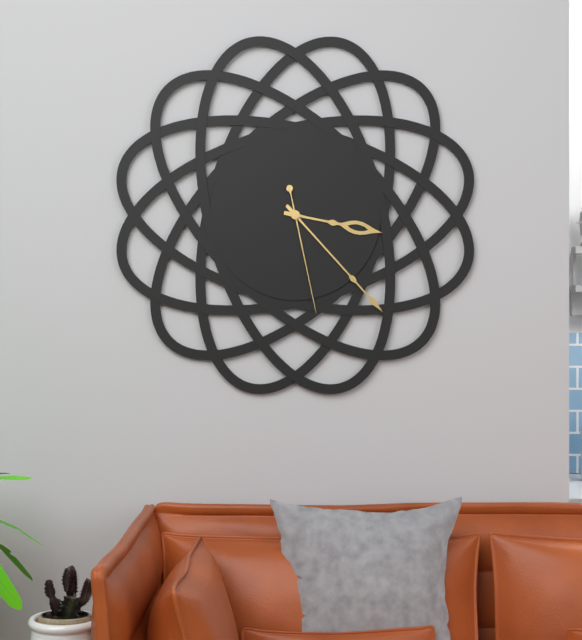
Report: 3:23:28
